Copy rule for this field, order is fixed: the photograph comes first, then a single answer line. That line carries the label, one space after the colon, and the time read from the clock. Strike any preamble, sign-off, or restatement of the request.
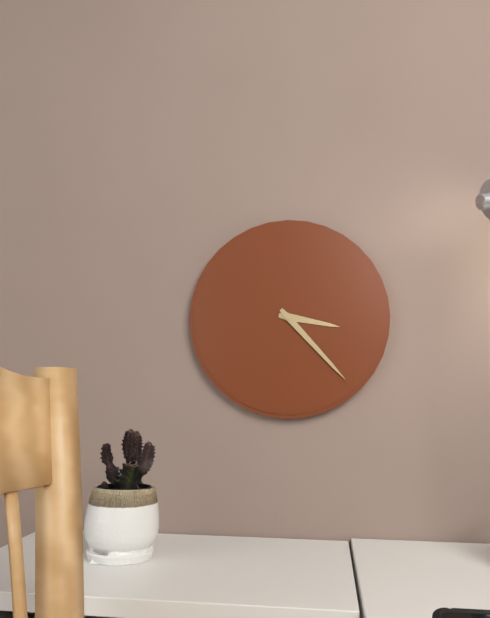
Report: 3:23
